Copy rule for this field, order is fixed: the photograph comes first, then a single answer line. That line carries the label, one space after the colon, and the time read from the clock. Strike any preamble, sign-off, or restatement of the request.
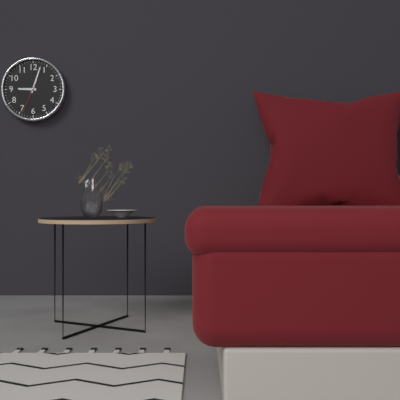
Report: 9:03
